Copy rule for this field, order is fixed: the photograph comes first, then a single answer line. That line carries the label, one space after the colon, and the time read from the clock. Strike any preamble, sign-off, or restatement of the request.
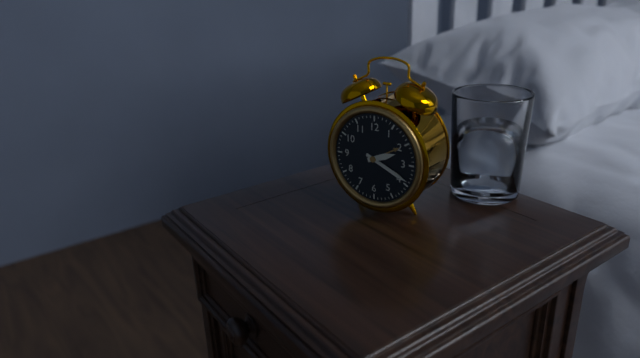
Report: 2:19
